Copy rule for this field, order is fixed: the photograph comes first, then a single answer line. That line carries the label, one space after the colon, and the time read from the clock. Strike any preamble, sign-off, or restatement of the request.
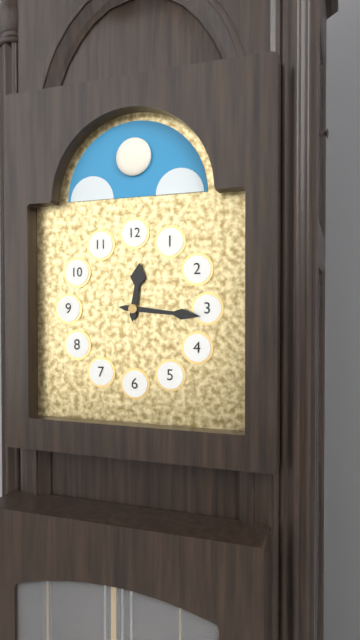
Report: 12:16
